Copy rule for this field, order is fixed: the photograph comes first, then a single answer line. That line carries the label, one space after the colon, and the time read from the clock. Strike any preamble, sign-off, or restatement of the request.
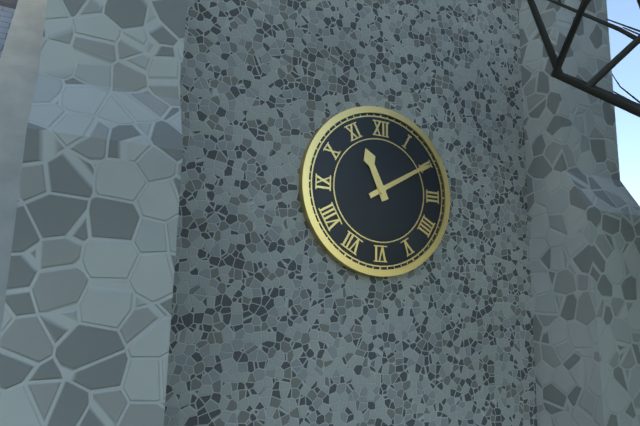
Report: 11:10
